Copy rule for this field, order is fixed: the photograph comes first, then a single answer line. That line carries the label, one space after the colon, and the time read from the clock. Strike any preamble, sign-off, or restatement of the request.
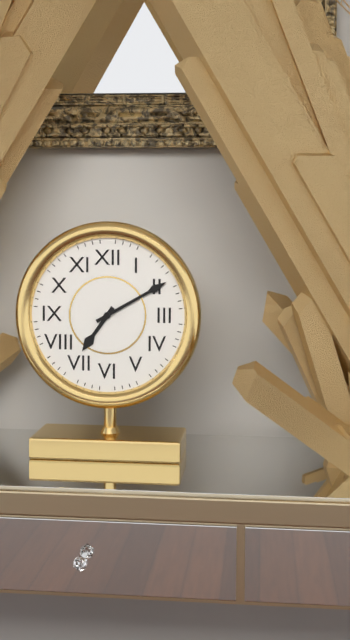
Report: 7:10
